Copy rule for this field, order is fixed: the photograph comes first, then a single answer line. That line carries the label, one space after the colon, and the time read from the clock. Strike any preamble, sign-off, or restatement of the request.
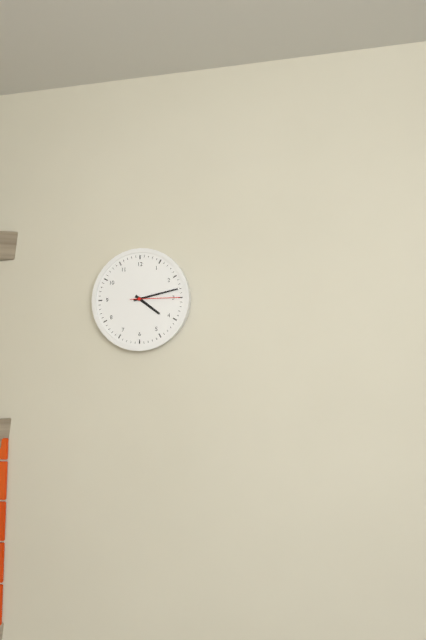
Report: 4:13:15
